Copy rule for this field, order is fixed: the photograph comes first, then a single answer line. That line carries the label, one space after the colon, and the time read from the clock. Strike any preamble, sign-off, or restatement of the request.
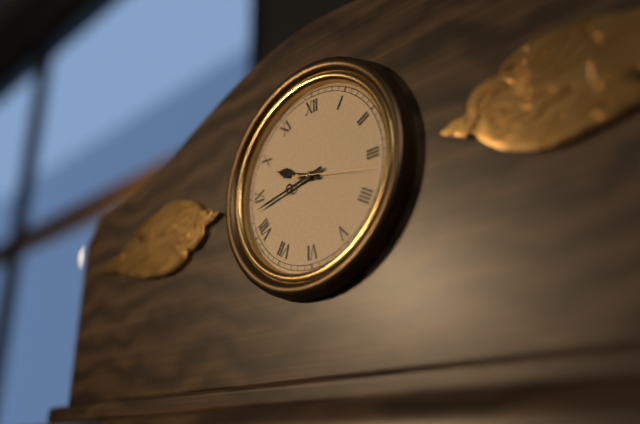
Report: 9:43:17
